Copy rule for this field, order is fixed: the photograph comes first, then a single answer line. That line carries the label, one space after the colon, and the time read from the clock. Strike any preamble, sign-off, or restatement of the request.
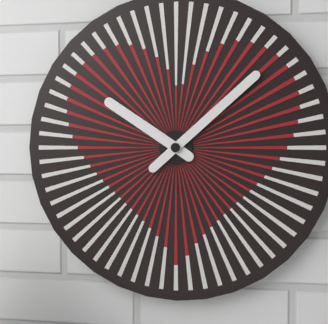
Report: 10:08
